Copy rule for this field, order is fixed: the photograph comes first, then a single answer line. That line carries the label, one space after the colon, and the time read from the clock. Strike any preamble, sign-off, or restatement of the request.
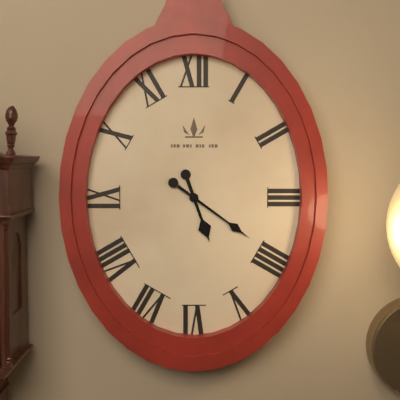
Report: 5:21
